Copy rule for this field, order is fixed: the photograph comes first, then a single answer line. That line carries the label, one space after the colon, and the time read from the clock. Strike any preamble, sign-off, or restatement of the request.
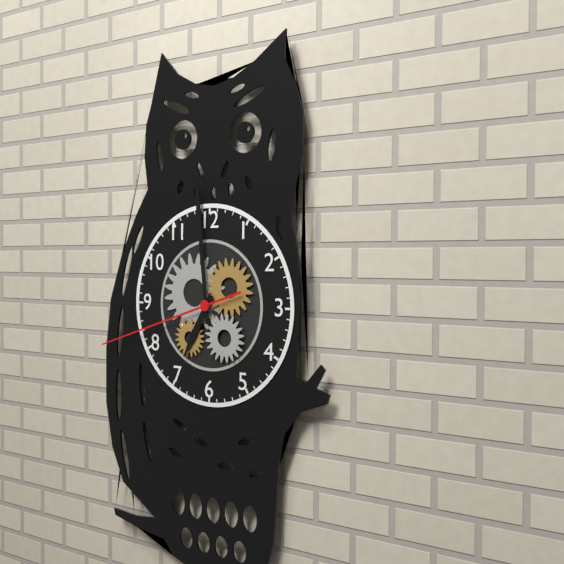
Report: 6:59:42
